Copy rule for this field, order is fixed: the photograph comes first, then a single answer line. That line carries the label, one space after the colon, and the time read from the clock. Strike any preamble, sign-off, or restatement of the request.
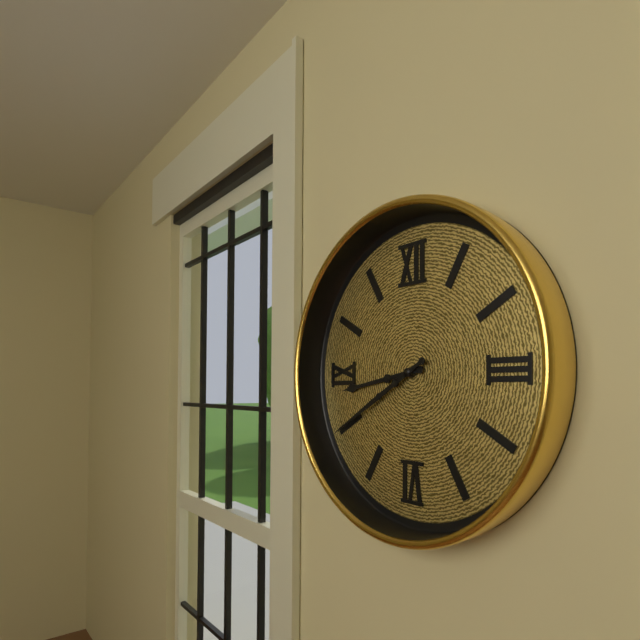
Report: 8:40
